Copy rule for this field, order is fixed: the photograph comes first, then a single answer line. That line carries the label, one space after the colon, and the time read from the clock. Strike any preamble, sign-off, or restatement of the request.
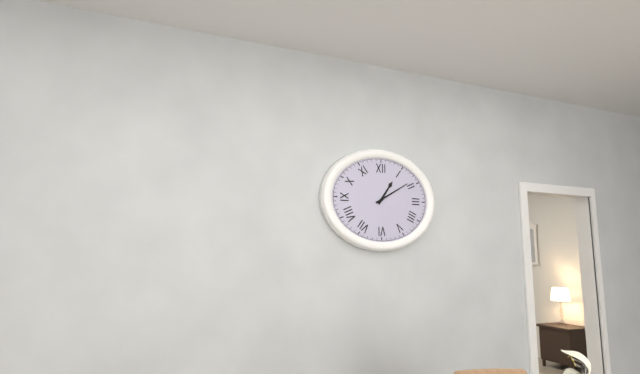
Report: 1:10
